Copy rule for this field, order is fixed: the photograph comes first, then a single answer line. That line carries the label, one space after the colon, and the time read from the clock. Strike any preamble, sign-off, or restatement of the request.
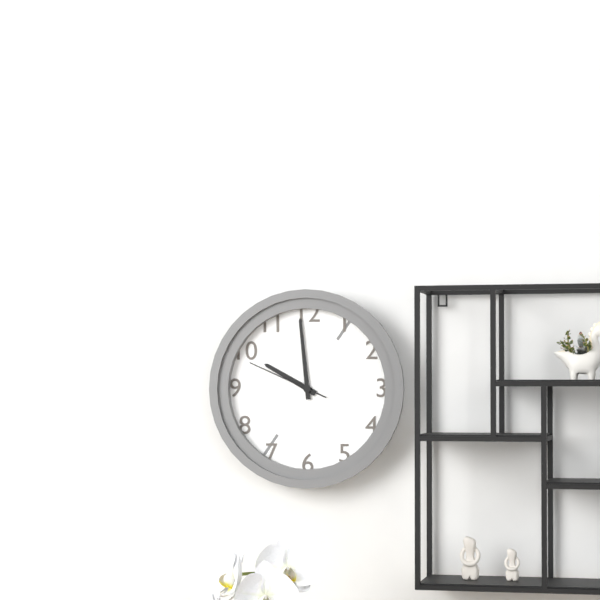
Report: 9:59:49
